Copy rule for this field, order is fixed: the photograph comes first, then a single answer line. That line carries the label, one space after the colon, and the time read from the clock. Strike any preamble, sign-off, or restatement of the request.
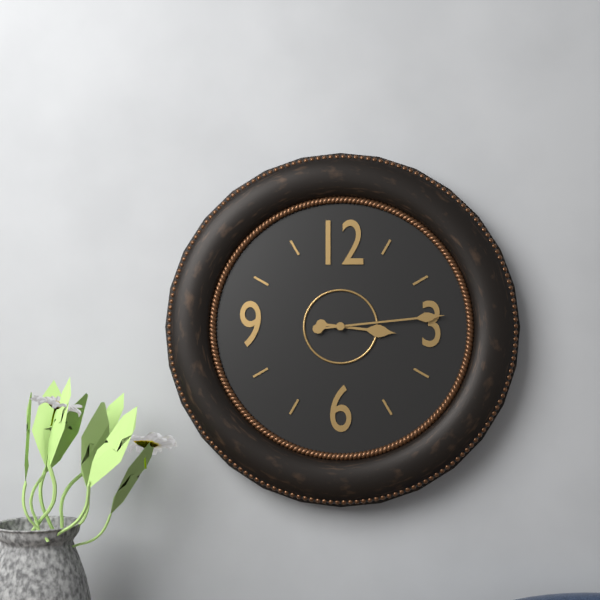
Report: 3:14
